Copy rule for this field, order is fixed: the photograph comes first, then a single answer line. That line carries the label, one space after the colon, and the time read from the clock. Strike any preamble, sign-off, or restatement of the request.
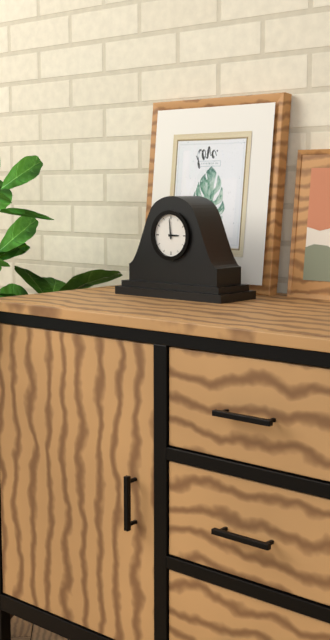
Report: 2:59
